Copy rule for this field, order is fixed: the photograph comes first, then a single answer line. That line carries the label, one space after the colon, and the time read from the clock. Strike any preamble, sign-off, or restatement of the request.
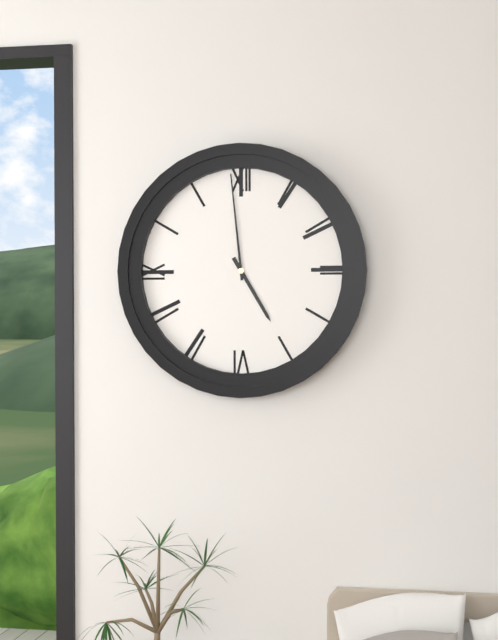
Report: 4:59
